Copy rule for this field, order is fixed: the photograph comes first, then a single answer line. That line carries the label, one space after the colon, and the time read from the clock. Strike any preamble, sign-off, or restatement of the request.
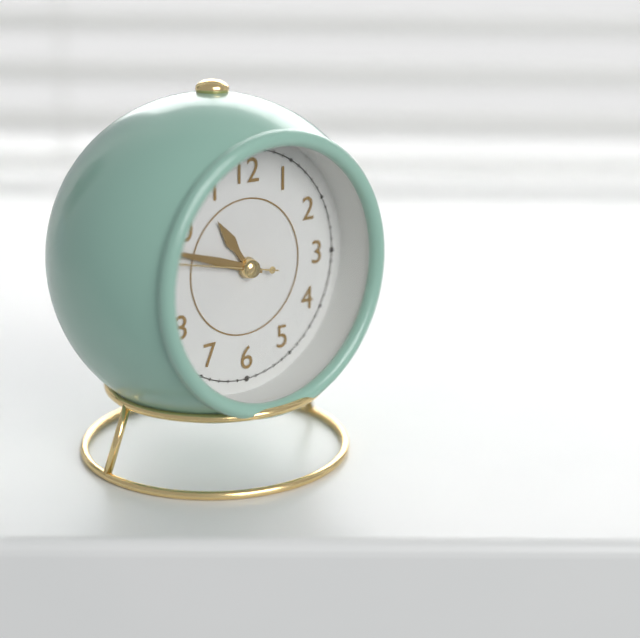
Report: 10:48:47
